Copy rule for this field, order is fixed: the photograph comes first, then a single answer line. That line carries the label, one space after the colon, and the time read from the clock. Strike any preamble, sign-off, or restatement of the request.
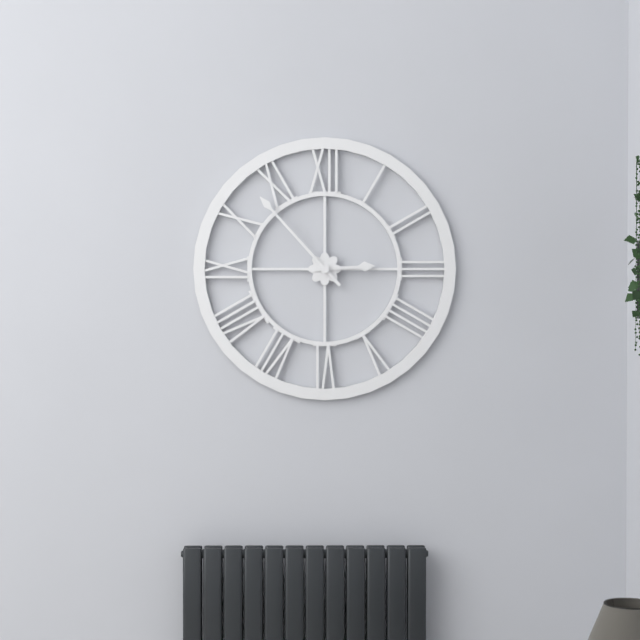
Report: 2:53
